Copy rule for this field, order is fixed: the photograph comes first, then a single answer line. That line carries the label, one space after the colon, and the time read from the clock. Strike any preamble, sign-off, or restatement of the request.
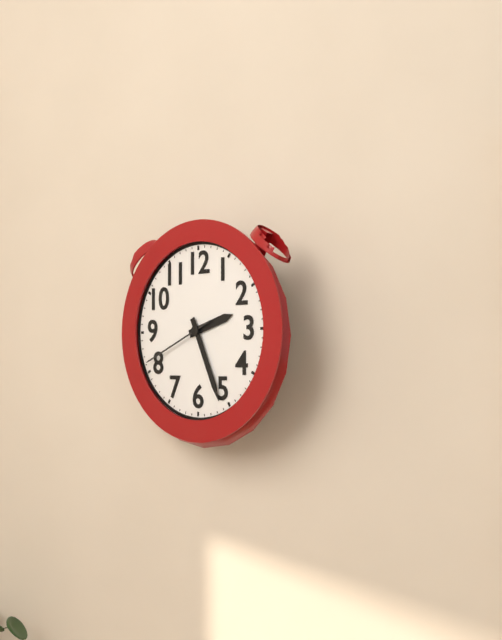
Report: 2:26:41
